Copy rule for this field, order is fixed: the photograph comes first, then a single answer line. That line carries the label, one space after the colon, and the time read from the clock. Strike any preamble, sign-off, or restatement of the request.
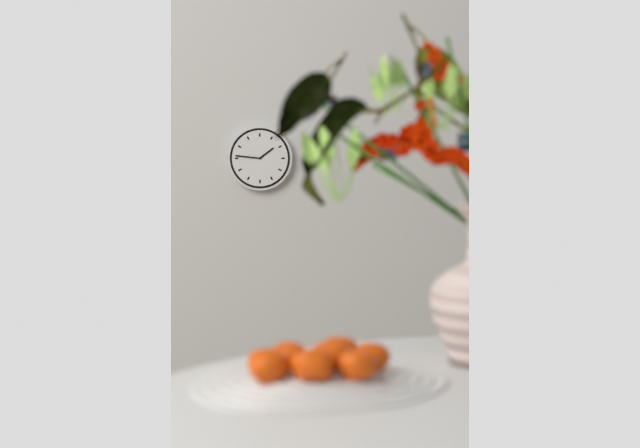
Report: 1:46
